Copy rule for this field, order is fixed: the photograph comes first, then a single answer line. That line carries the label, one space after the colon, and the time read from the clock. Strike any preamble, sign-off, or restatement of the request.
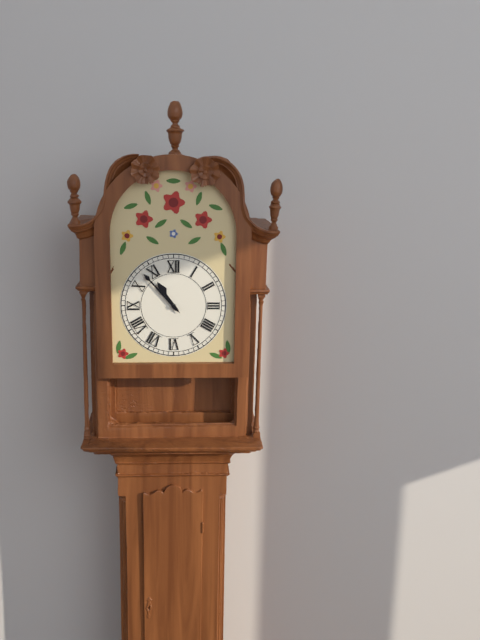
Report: 10:53
